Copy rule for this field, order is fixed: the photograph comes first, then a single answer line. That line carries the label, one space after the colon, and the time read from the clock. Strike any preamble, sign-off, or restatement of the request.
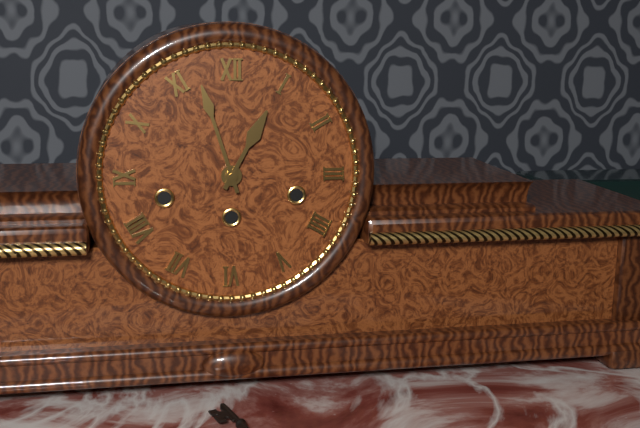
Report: 12:57
